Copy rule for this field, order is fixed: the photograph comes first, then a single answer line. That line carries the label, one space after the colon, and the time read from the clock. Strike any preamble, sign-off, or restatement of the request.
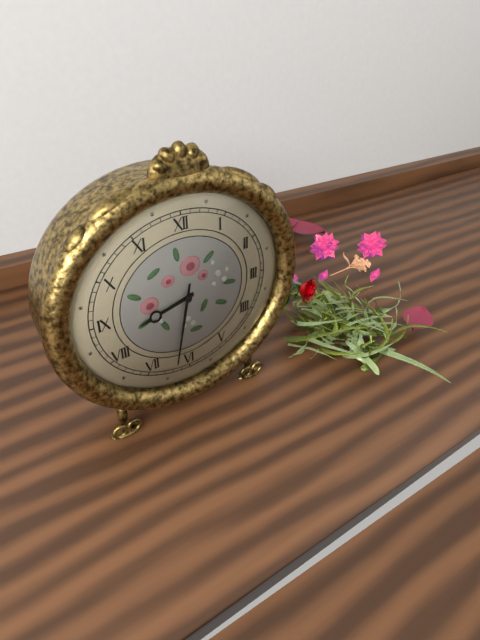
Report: 8:32
